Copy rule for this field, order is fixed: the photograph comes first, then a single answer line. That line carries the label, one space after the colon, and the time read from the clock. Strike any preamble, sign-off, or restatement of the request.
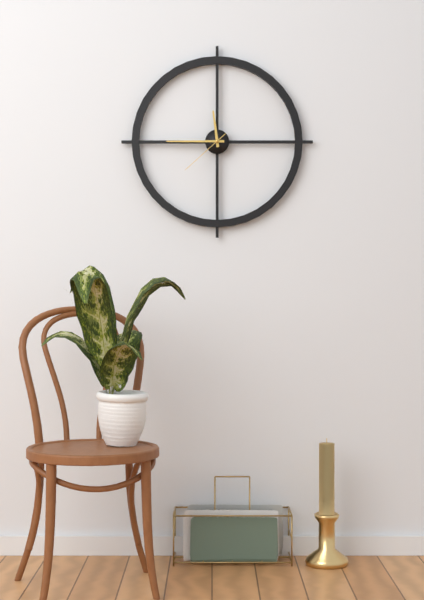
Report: 11:45:38
